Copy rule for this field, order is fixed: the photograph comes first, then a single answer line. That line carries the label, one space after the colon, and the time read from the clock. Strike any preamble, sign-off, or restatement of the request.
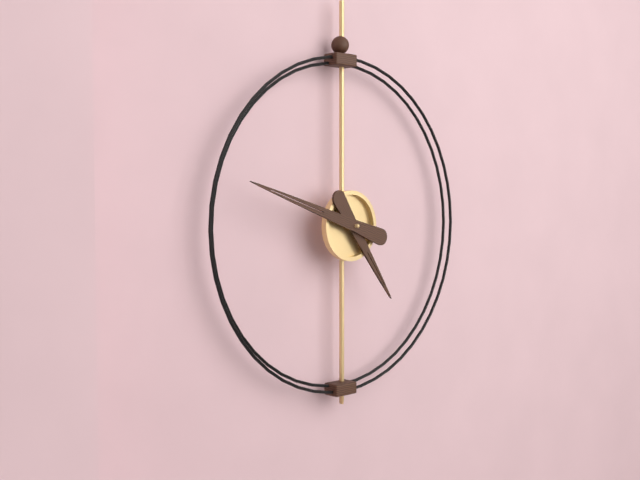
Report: 4:48
